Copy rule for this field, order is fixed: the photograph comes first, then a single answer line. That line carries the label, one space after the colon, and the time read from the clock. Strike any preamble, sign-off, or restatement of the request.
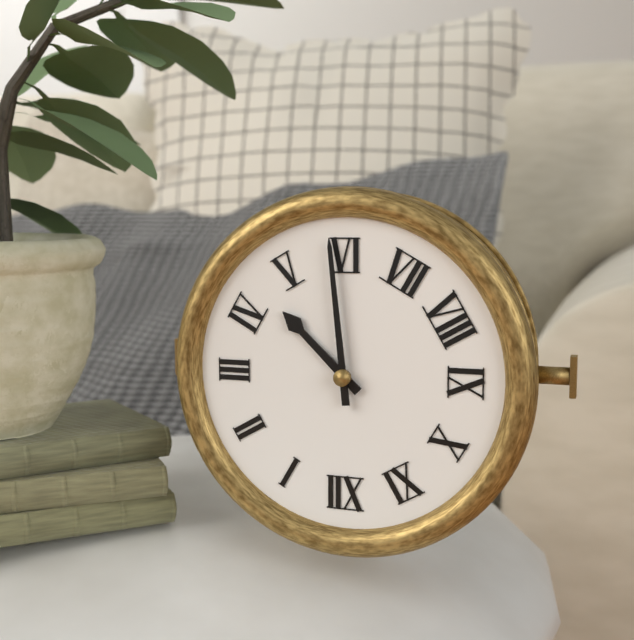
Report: 4:29
